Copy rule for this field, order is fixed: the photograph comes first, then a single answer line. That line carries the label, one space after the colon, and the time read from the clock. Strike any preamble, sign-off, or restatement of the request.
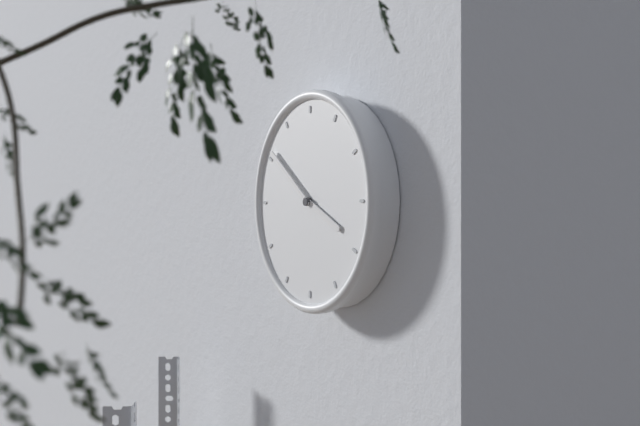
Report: 3:51
